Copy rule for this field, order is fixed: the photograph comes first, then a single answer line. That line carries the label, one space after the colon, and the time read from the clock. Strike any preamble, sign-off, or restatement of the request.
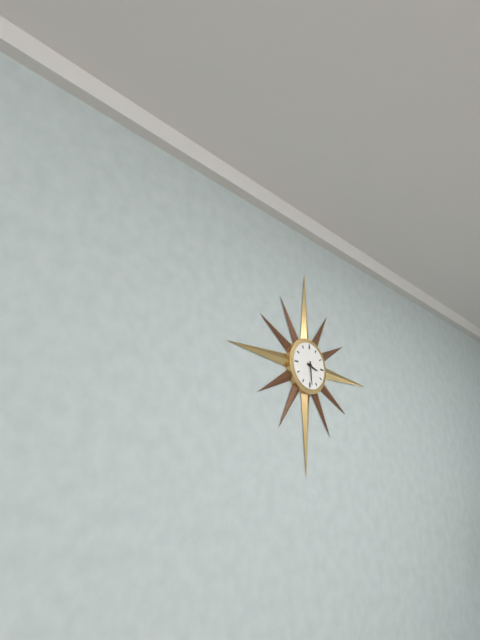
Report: 3:29
